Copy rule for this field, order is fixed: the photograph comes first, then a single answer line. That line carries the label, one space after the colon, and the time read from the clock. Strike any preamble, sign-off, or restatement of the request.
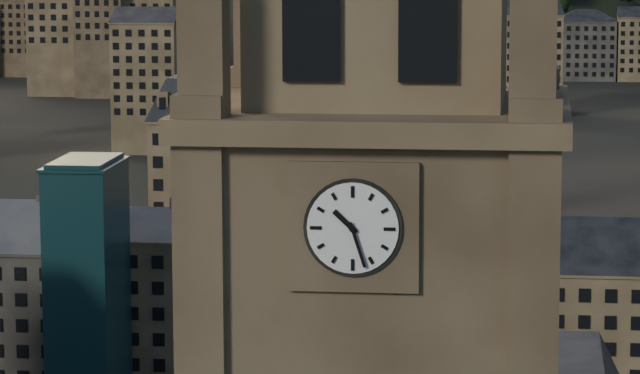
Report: 10:27
